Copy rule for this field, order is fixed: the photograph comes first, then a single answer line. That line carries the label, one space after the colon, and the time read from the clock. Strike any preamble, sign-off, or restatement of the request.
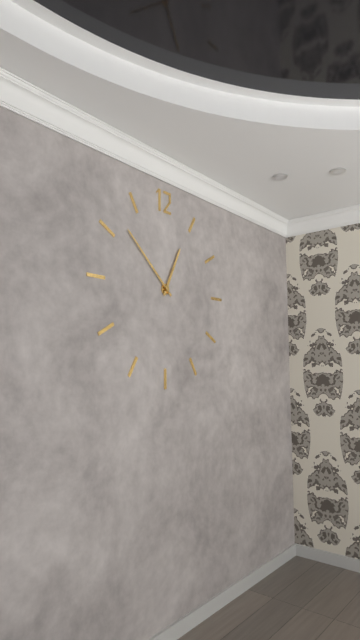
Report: 12:52
